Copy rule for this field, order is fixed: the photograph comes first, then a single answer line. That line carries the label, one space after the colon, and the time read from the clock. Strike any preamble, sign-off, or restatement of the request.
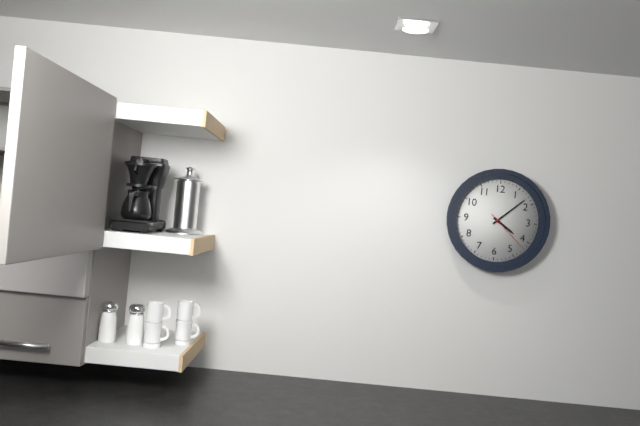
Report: 4:08
